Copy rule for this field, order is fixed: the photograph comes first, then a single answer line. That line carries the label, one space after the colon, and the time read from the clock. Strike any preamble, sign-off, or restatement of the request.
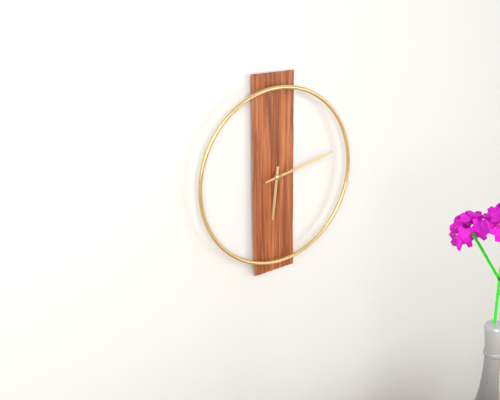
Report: 6:13
